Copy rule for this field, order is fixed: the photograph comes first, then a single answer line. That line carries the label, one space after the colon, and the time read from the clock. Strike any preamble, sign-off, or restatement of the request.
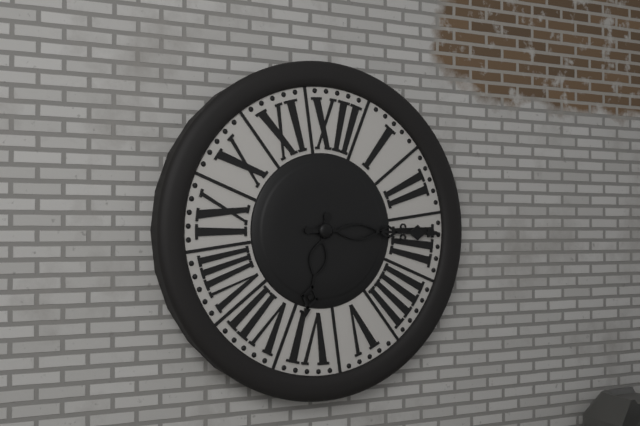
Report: 6:14
